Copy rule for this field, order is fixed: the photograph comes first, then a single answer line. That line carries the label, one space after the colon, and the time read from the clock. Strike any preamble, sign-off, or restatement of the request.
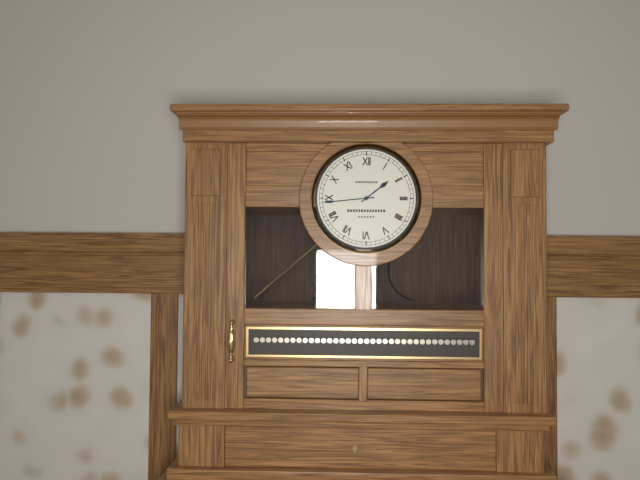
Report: 1:44
